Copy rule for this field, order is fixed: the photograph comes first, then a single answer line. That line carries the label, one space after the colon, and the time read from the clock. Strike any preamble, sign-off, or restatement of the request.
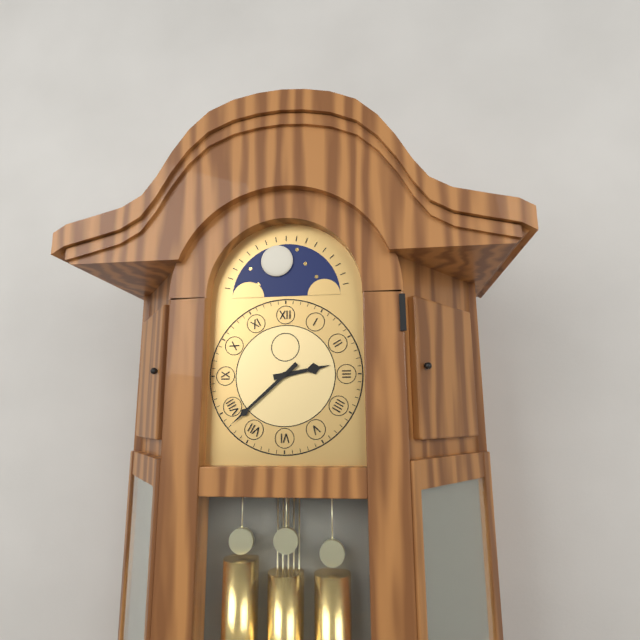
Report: 2:38
